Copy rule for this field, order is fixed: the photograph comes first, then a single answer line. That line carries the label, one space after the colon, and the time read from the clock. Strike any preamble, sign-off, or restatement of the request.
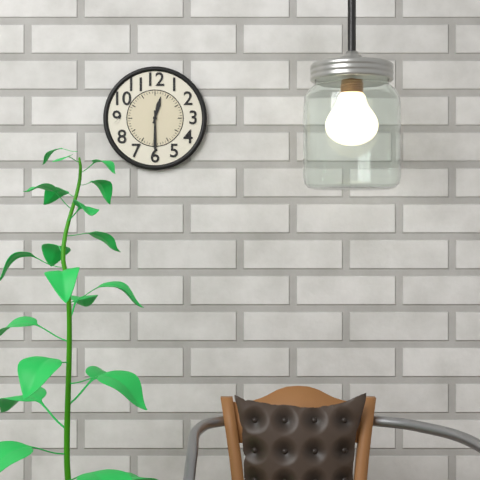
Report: 12:30
